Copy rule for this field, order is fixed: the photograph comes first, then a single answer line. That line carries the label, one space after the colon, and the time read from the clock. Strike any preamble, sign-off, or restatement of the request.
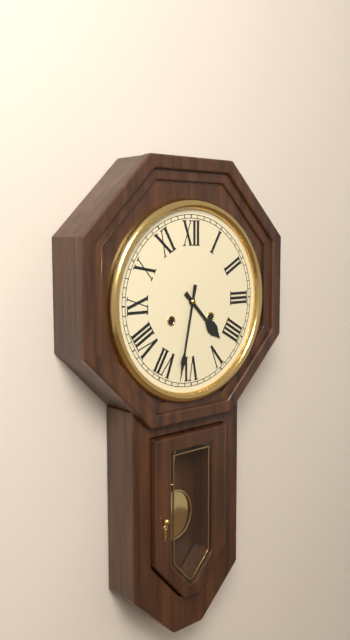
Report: 4:32
